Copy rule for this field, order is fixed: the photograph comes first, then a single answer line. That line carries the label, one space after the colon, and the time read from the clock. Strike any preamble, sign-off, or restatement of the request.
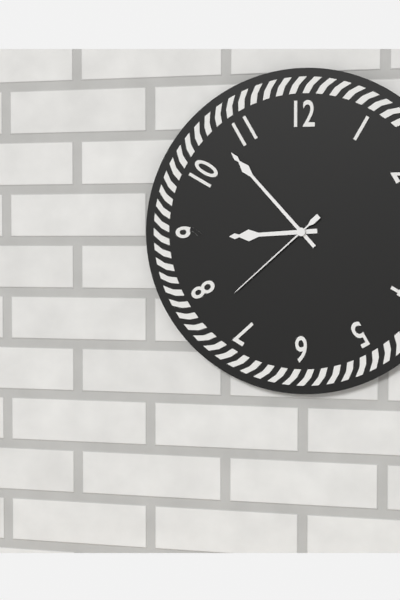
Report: 8:53:38
